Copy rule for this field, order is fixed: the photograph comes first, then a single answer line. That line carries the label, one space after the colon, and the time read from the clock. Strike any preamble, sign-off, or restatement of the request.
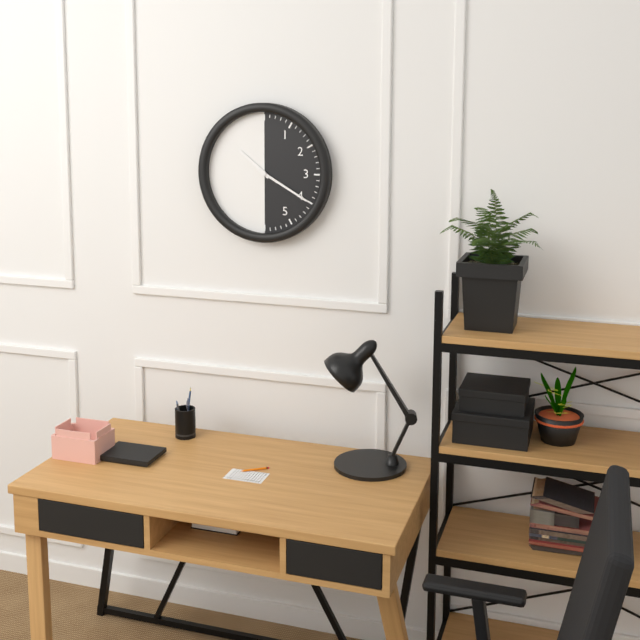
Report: 10:20
